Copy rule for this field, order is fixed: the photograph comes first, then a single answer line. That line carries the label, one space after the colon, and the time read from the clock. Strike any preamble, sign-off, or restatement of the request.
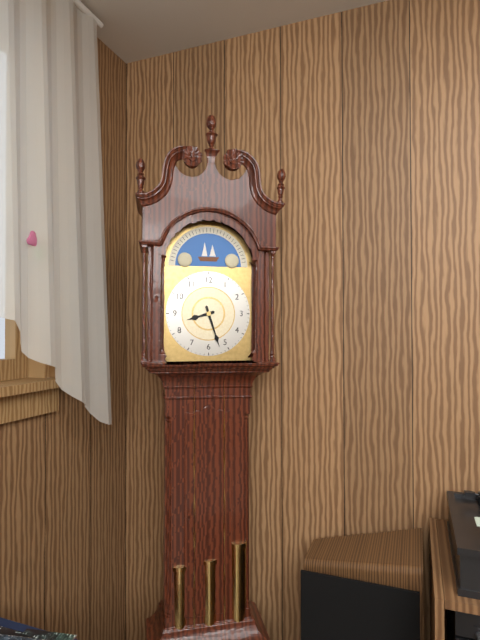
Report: 8:27
